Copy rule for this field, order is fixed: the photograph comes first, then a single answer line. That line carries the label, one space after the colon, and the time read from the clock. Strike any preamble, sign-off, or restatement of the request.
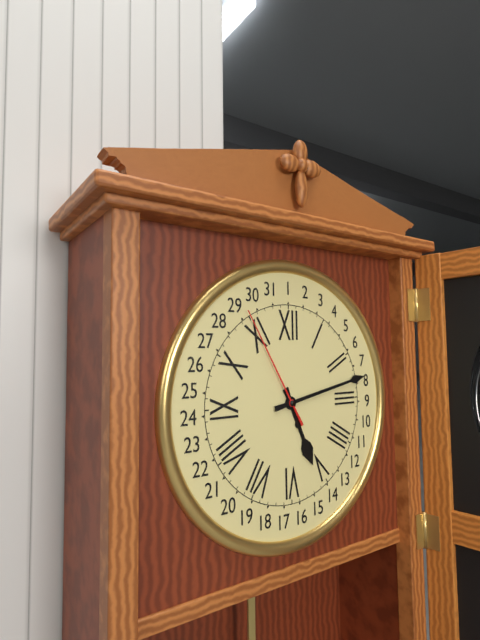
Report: 5:13:55
